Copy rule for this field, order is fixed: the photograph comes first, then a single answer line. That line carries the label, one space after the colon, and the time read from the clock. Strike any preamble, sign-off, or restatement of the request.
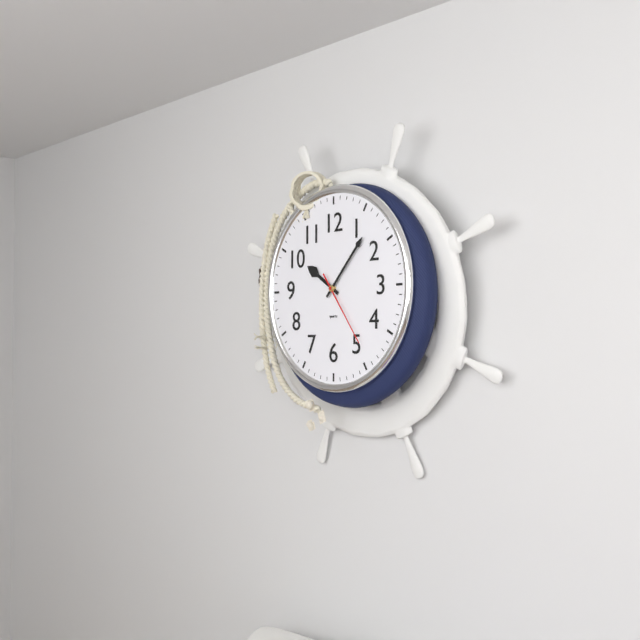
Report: 10:07:24
